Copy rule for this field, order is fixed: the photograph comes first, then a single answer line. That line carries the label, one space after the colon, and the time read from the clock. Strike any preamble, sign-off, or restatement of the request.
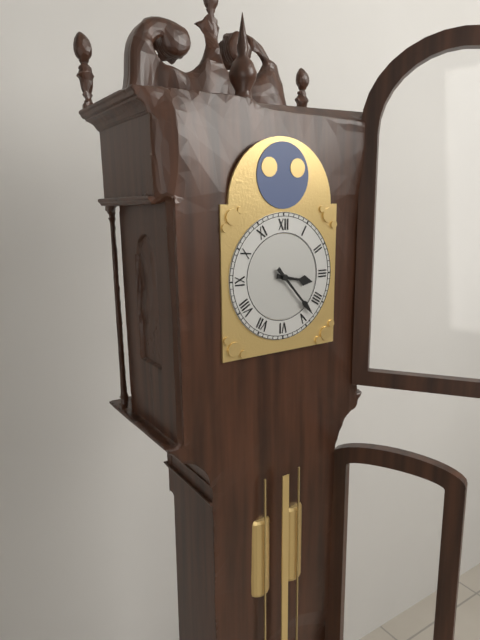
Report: 3:23
